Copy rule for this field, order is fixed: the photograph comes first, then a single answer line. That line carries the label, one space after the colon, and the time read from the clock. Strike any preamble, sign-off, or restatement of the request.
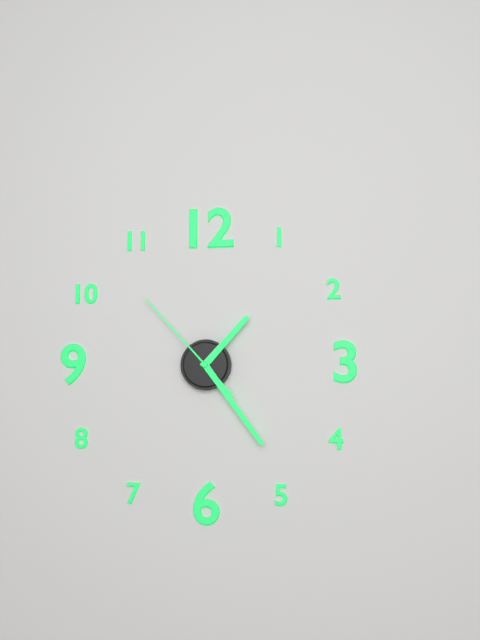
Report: 1:24:53
